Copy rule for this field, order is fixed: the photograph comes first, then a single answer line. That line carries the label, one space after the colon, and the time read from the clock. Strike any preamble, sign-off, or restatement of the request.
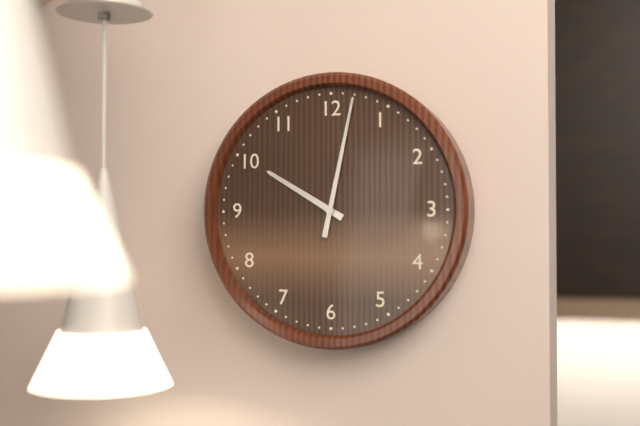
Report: 10:02
